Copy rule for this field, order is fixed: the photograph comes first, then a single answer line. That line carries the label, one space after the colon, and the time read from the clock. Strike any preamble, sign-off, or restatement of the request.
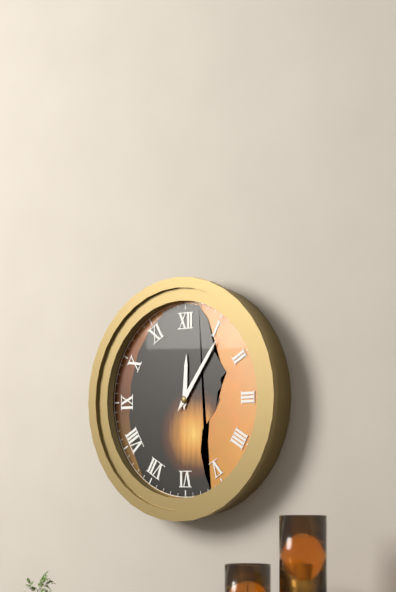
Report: 12:06
